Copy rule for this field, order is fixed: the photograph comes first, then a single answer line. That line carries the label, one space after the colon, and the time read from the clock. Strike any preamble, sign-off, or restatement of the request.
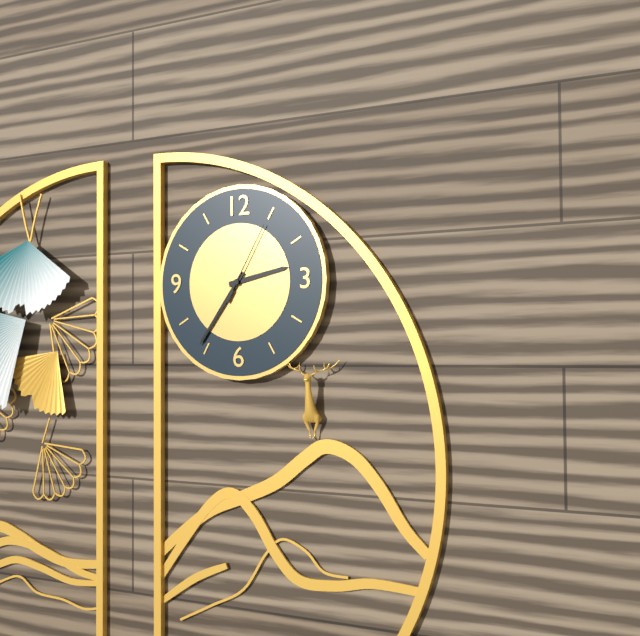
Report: 2:36:05
